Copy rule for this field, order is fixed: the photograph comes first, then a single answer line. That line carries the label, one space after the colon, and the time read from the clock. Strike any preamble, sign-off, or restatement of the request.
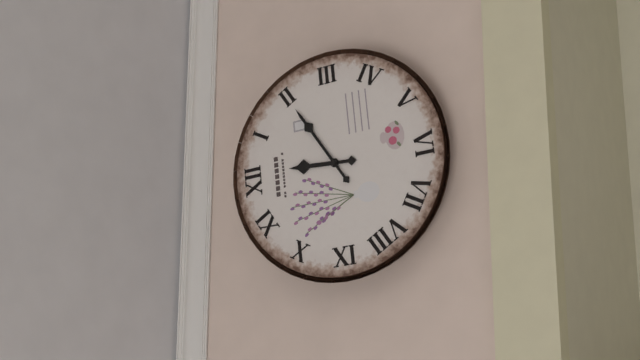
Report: 12:10
